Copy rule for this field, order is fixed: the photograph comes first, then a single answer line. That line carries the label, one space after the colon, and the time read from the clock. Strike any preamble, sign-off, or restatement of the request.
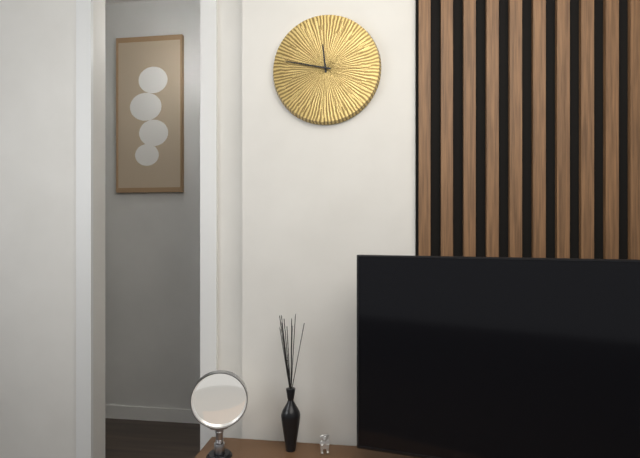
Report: 11:47
